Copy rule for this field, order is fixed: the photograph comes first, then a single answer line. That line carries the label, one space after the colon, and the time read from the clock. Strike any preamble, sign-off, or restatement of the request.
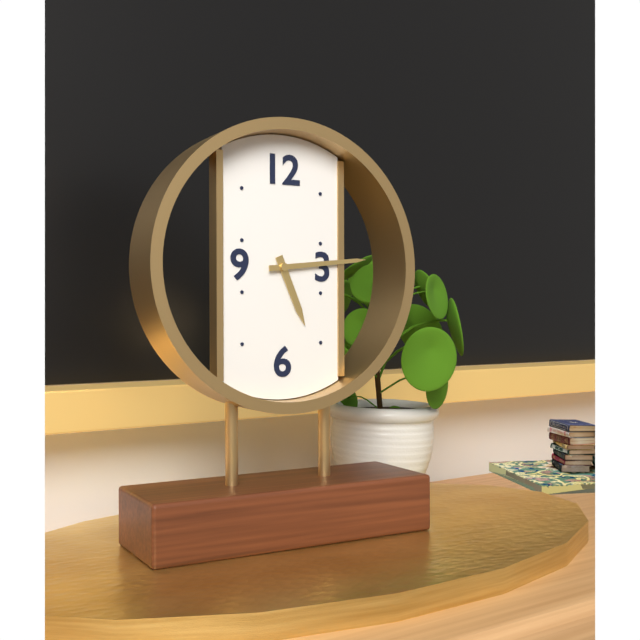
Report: 5:14
